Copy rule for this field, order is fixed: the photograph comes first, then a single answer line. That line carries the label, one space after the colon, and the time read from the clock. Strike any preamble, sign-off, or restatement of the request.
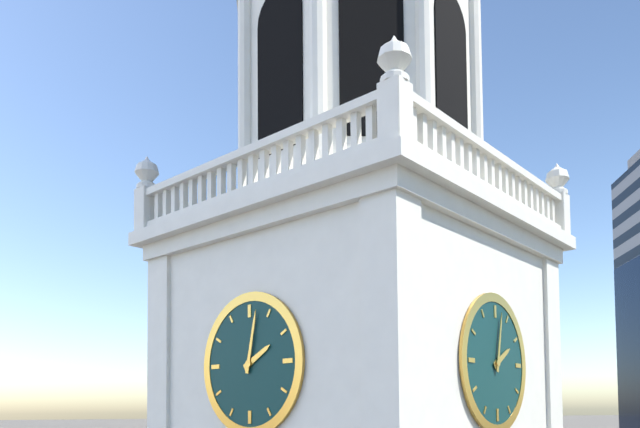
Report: 2:02
